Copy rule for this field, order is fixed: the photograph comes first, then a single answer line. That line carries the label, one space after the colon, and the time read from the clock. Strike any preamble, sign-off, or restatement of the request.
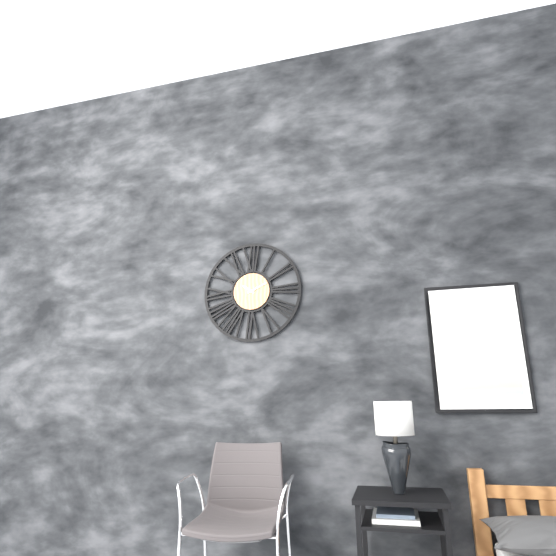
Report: 10:11
